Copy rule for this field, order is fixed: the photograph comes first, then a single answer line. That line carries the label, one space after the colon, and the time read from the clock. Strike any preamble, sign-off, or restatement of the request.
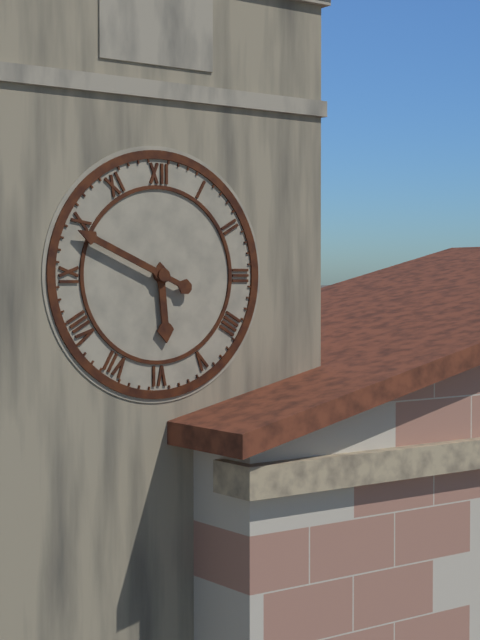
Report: 5:49
